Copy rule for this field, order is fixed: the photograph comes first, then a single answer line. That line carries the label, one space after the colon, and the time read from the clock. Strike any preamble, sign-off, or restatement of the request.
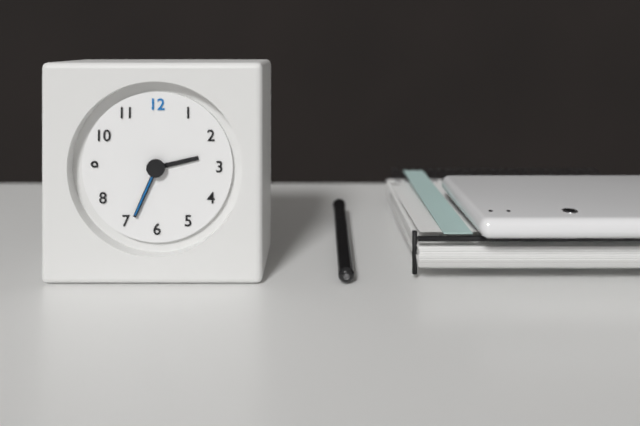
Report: 2:34:34
